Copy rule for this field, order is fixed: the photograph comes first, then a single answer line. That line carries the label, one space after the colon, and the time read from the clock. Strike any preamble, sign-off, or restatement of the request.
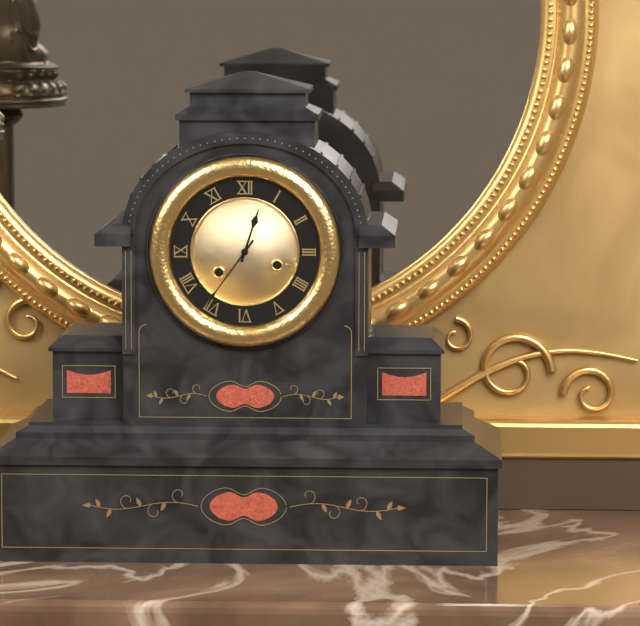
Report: 12:36
